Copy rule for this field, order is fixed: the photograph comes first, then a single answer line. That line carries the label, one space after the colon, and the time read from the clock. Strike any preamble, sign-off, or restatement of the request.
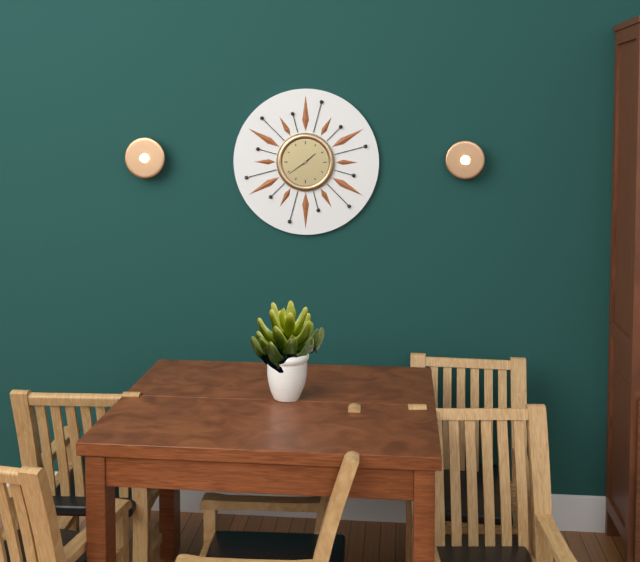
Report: 1:39
